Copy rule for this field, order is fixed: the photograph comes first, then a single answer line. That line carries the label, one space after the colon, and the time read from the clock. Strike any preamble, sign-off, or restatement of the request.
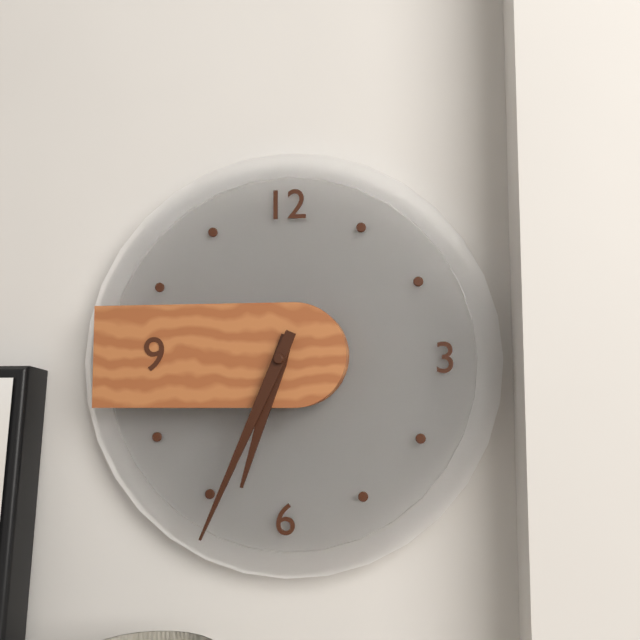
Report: 6:34
